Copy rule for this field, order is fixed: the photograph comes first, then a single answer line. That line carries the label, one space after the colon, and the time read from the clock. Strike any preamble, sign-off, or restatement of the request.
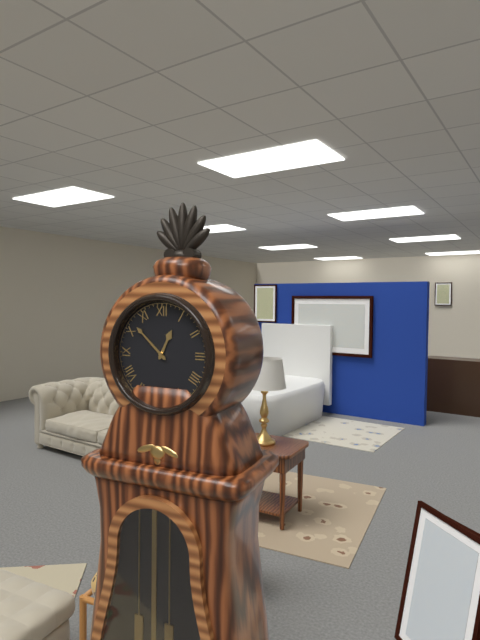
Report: 12:52
